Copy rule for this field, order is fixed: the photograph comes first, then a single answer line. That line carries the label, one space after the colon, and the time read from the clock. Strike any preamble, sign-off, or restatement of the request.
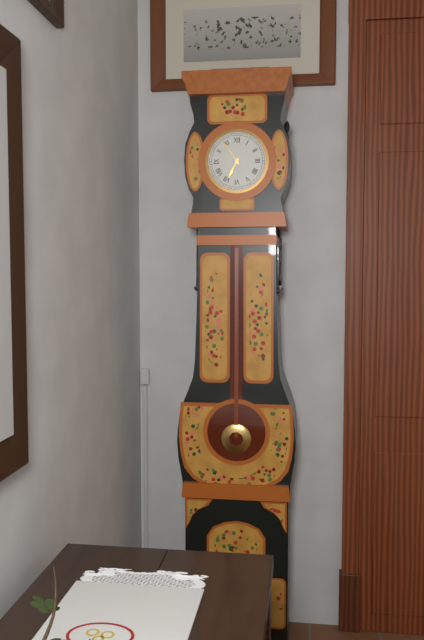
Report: 6:54
